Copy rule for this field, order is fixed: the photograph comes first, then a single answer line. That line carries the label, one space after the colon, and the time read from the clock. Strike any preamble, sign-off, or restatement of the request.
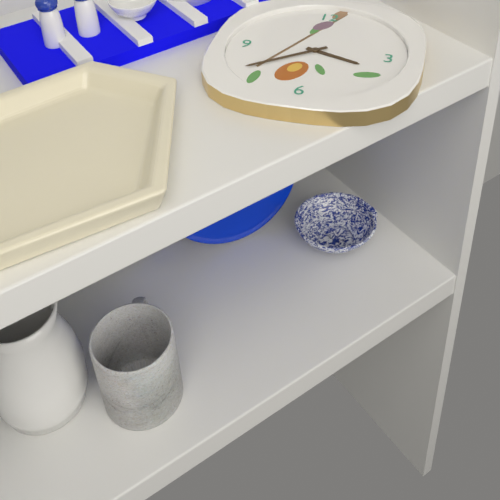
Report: 3:39
